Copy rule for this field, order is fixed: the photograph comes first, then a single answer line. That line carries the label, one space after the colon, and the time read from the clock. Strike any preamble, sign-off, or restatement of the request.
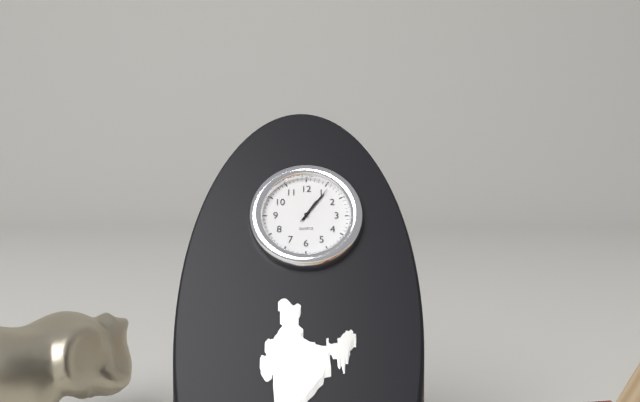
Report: 1:06
